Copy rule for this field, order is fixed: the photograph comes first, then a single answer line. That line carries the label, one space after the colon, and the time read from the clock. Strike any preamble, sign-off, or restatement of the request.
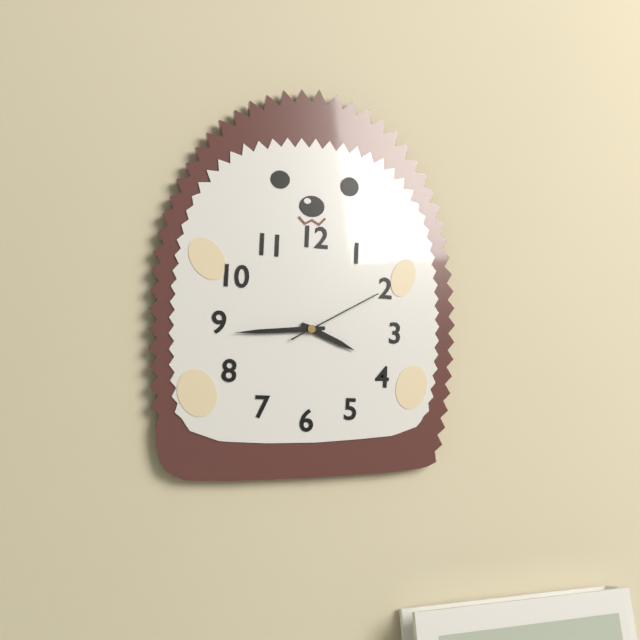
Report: 3:44:10
